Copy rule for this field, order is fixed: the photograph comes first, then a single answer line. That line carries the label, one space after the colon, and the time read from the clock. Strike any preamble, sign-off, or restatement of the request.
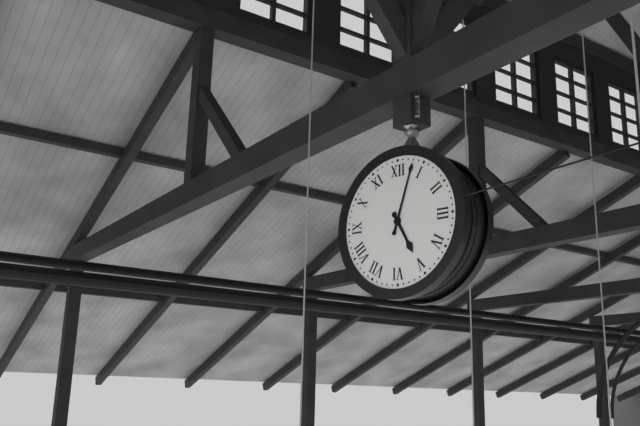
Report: 5:03
